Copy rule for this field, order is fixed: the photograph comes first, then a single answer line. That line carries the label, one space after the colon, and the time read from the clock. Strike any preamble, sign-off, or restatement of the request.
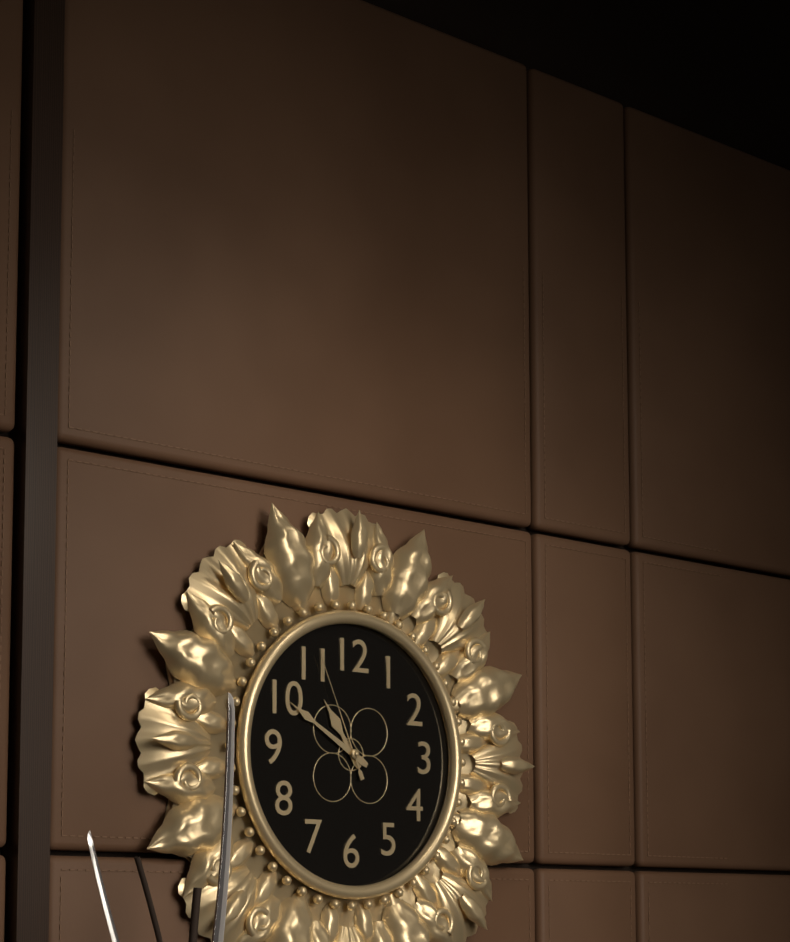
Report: 10:50:56
